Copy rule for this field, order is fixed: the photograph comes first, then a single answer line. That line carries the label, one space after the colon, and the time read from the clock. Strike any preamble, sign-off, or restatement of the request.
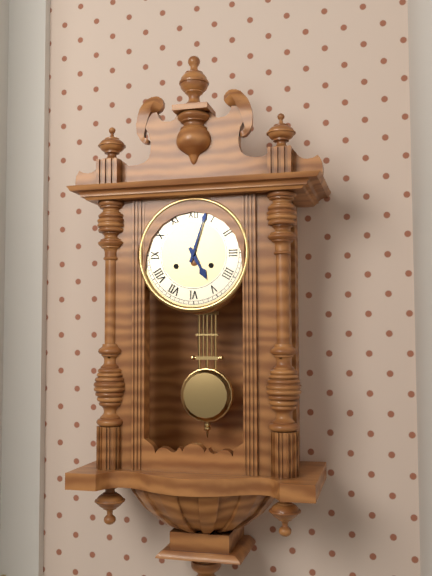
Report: 5:03
